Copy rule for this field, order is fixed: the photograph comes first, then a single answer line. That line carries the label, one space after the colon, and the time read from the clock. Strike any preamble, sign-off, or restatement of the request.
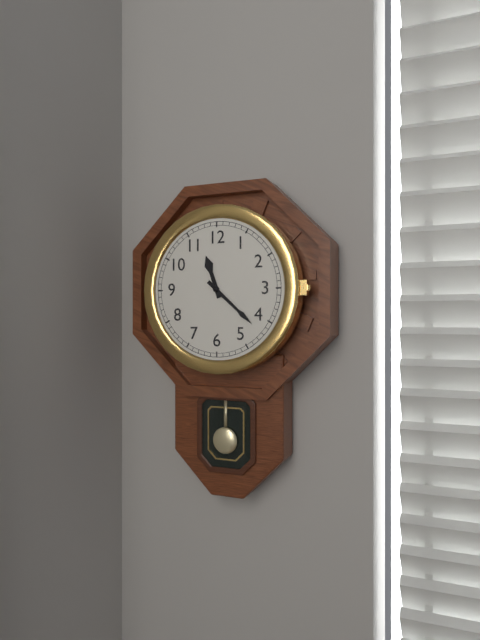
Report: 11:22
